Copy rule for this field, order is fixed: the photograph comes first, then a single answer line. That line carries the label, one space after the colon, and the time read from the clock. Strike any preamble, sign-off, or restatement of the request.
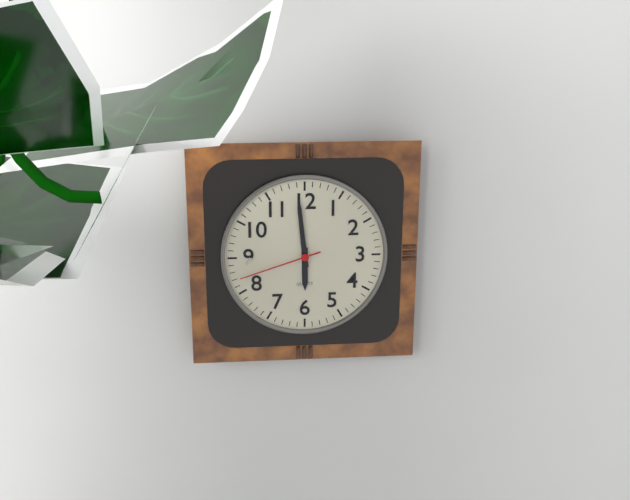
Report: 5:59:42
